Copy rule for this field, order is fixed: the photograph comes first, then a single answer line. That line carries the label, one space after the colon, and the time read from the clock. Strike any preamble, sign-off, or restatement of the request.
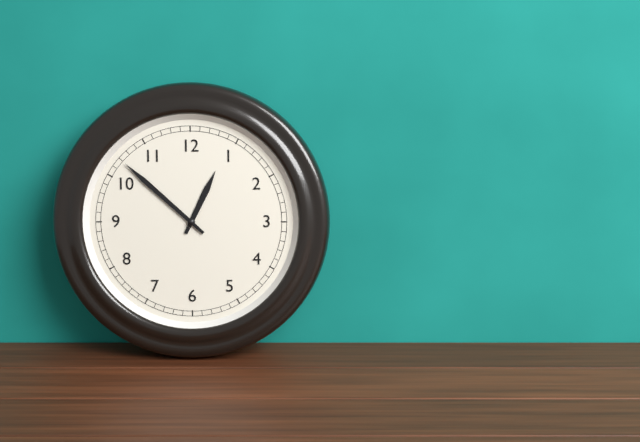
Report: 12:52
